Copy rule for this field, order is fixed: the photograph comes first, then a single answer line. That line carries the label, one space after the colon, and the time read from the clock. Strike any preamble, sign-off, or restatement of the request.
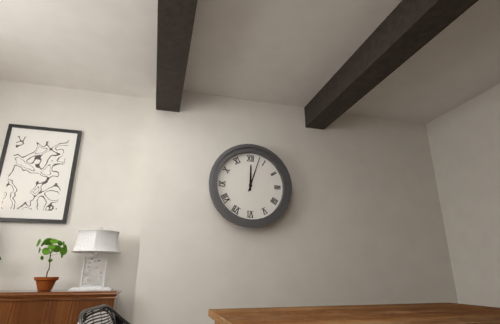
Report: 12:03
